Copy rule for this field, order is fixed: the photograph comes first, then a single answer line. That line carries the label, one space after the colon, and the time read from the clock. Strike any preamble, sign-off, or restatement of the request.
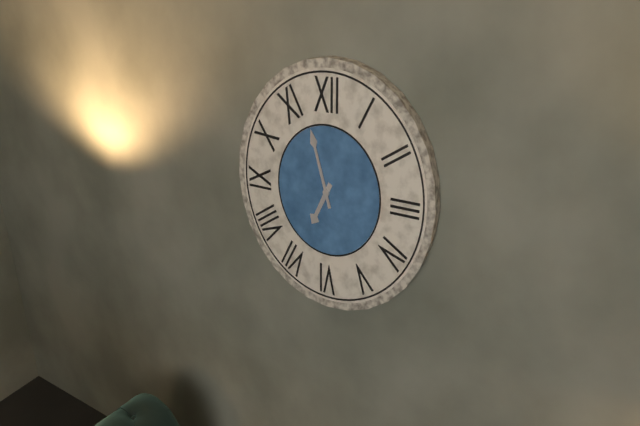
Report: 6:57
